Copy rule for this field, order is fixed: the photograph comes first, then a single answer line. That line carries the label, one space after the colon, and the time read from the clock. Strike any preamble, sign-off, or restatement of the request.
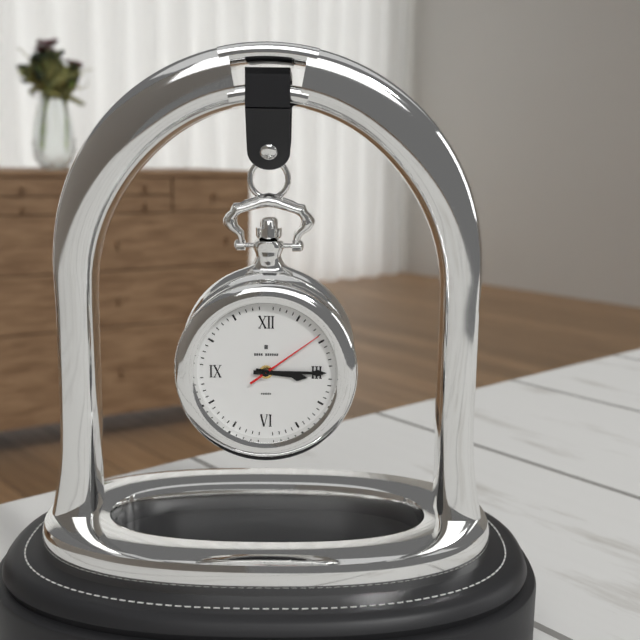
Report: 3:15:09
